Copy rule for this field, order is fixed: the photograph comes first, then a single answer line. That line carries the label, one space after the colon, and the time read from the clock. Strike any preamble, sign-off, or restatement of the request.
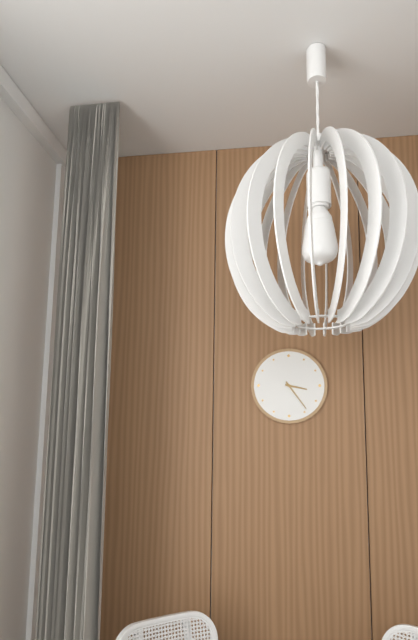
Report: 3:24
